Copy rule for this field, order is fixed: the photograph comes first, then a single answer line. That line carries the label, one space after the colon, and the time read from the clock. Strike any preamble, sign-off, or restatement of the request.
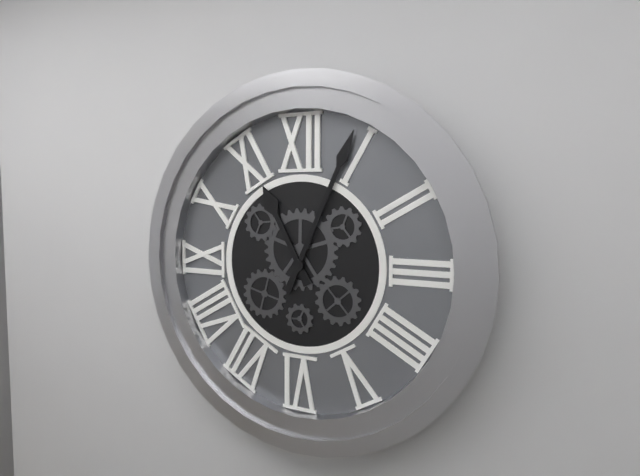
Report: 11:04
